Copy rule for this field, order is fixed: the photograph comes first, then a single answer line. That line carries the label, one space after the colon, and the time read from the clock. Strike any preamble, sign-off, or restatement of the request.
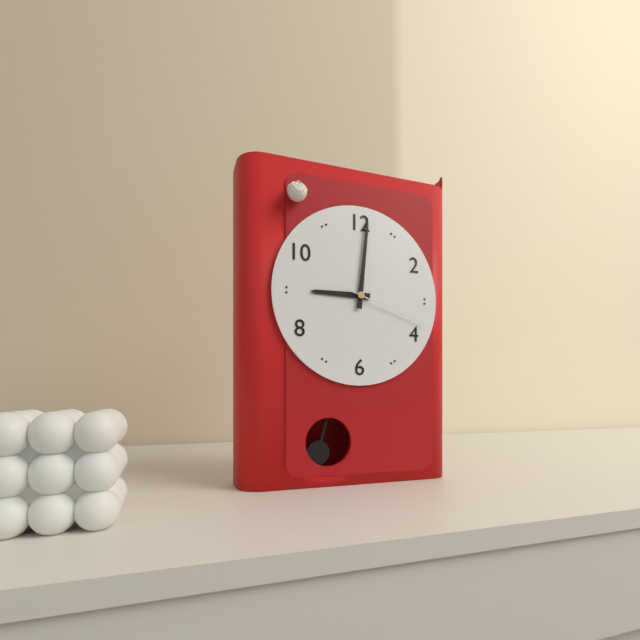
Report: 9:01:18
